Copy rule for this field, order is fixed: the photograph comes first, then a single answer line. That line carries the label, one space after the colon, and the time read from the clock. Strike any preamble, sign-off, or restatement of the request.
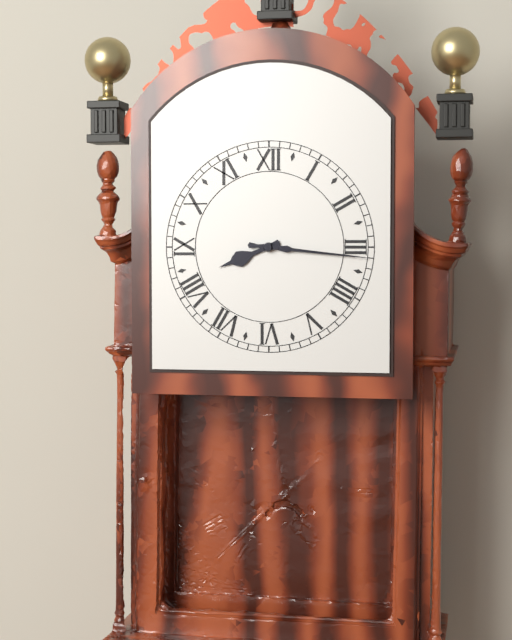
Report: 8:16
